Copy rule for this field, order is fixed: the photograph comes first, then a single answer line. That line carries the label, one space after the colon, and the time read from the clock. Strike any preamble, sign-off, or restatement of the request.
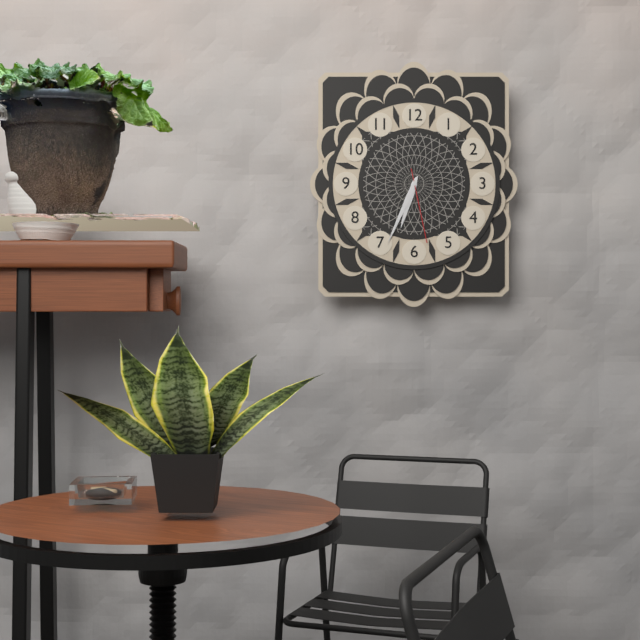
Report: 6:34:28
